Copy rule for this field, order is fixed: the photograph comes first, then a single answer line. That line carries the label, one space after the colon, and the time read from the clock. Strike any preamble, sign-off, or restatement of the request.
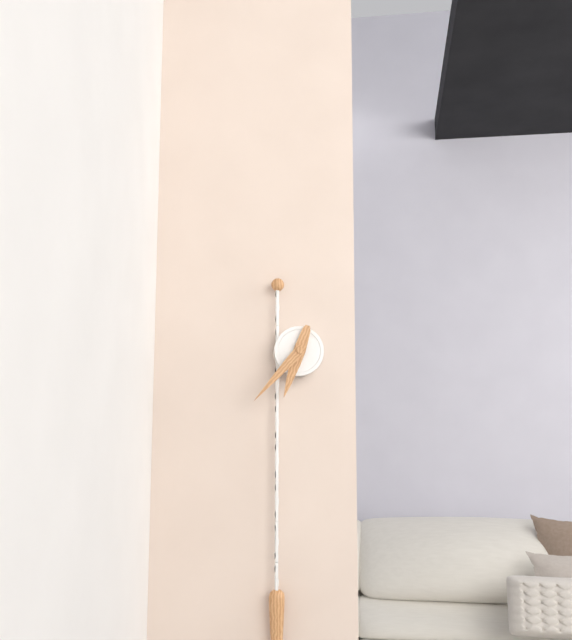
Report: 6:37
